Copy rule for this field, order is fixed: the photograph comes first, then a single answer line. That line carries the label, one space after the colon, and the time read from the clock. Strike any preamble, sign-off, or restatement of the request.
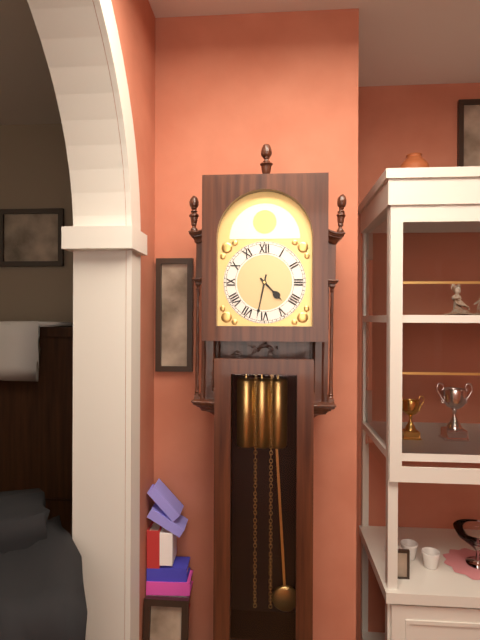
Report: 4:32
